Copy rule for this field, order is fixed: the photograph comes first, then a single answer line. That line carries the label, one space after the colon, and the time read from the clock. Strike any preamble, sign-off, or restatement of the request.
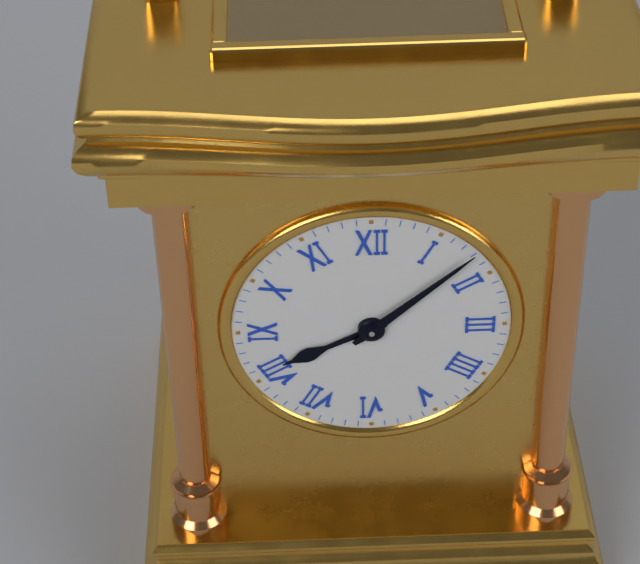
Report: 8:08
